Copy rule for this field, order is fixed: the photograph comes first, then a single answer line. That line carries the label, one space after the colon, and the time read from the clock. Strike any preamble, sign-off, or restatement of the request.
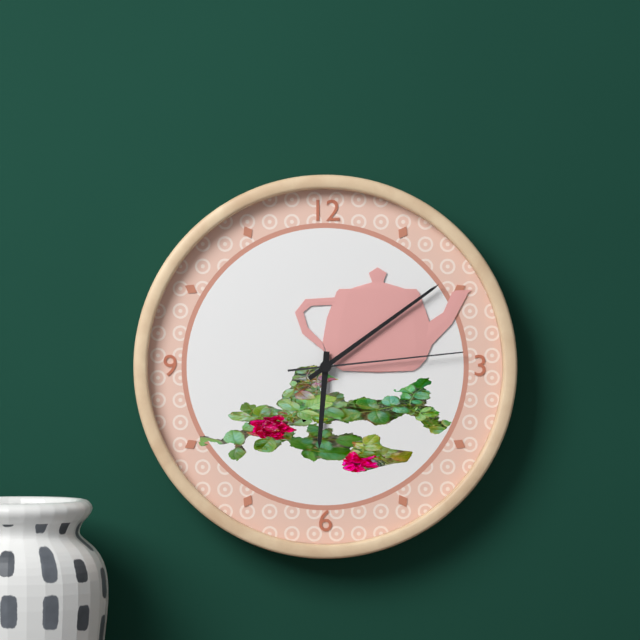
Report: 6:09:14
